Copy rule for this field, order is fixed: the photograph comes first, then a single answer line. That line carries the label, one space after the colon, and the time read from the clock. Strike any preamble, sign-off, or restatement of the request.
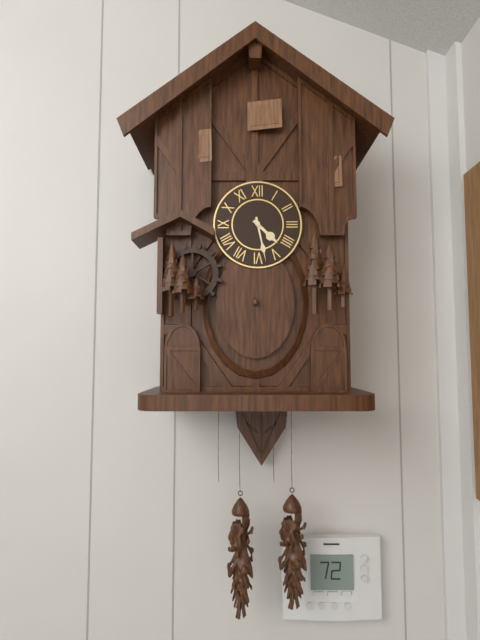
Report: 4:28
